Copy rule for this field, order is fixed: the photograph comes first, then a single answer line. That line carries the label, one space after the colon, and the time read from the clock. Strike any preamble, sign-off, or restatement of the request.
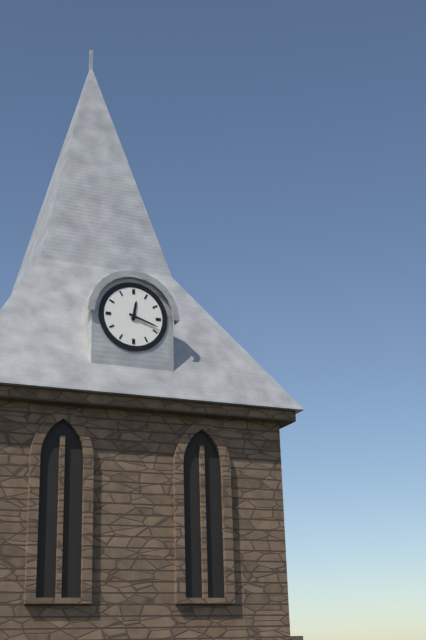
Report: 12:18
